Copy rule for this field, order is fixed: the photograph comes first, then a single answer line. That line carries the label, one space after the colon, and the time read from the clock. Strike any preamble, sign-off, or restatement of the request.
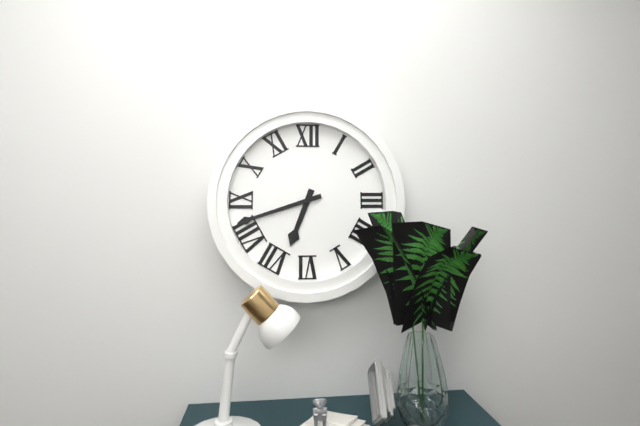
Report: 6:42
